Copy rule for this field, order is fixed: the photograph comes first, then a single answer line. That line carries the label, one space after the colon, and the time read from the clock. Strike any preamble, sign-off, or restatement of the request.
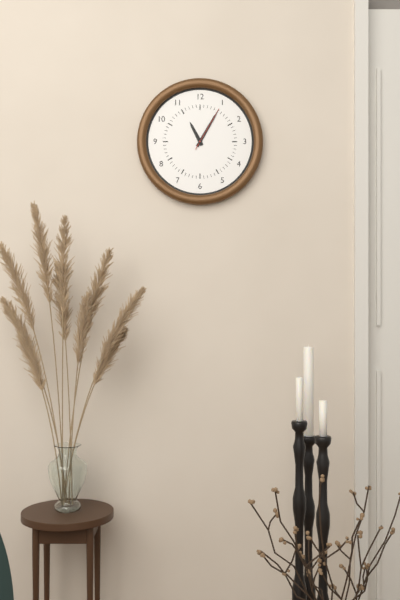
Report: 11:05
